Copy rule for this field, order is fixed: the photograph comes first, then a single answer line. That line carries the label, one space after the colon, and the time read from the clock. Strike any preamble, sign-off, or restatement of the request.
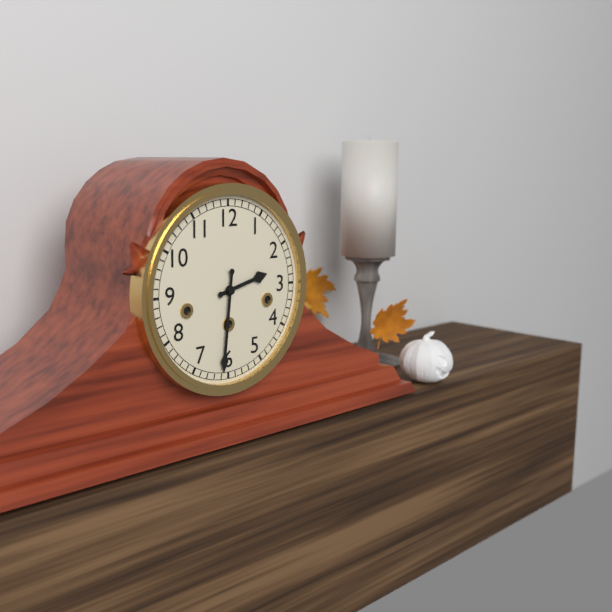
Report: 2:31
